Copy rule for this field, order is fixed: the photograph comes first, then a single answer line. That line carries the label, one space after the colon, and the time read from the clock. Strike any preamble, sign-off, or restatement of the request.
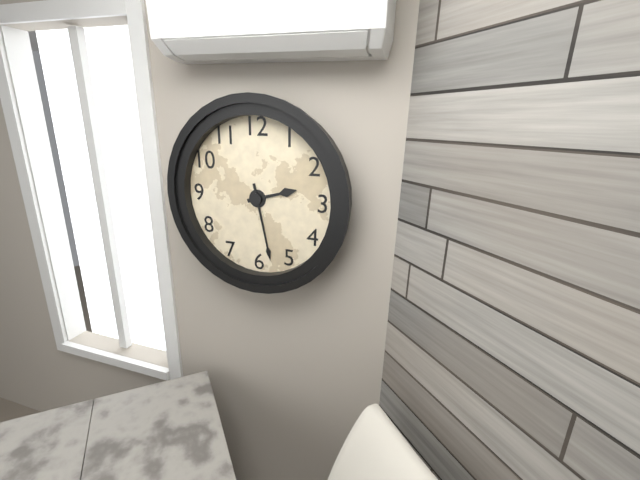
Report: 2:28
